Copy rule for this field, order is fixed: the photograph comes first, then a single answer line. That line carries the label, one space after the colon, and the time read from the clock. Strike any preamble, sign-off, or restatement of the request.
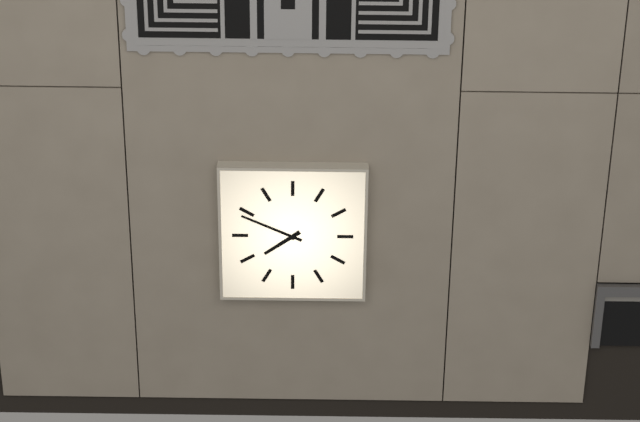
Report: 7:49
